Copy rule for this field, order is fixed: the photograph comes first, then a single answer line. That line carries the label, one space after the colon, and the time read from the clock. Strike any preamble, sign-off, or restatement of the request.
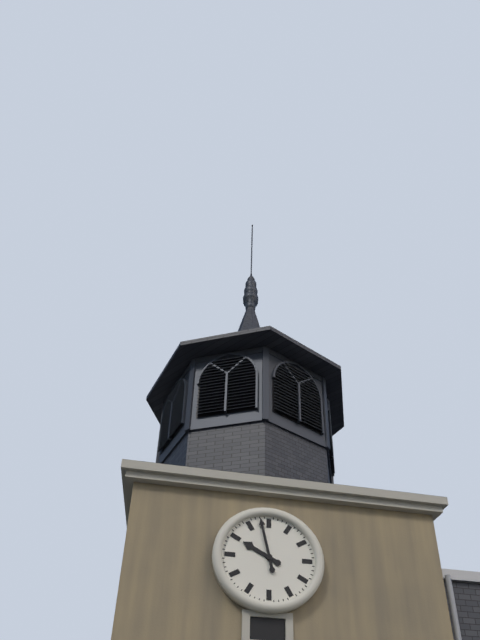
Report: 9:58
